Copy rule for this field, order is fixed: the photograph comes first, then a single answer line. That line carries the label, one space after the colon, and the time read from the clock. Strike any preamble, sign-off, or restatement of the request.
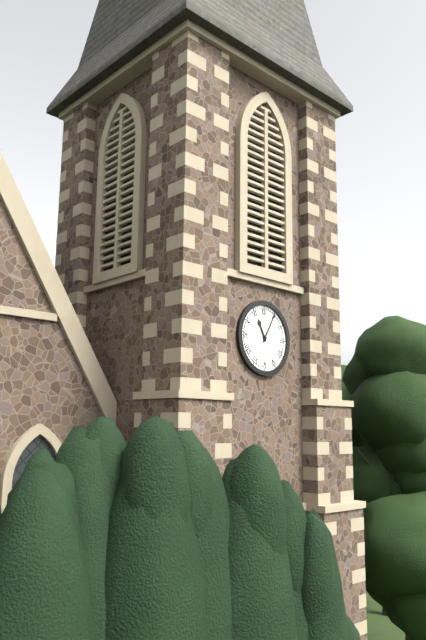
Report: 11:05
